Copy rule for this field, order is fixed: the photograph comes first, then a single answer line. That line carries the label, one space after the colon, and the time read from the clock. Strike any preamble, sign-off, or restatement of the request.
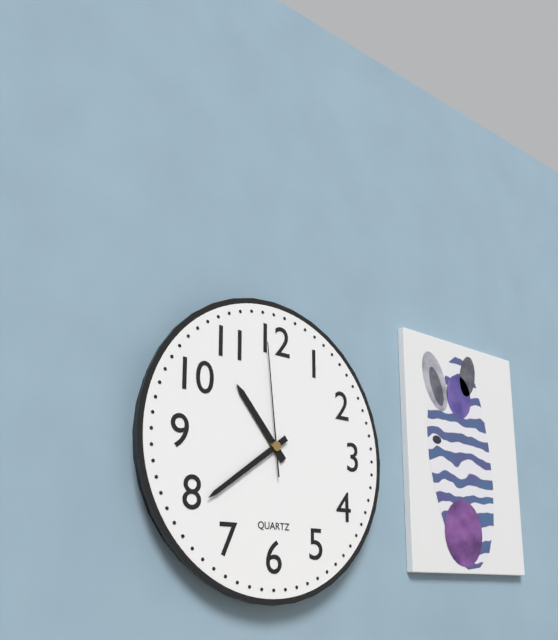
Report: 10:39:59
